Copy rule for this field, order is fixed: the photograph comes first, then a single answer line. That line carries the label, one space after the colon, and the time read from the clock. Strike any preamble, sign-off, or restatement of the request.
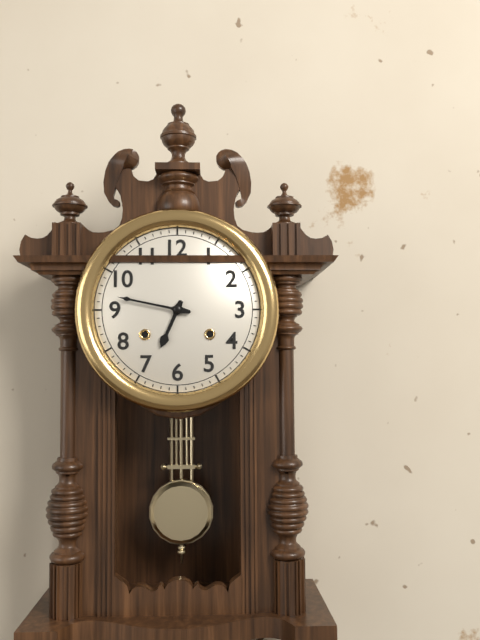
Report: 6:47
